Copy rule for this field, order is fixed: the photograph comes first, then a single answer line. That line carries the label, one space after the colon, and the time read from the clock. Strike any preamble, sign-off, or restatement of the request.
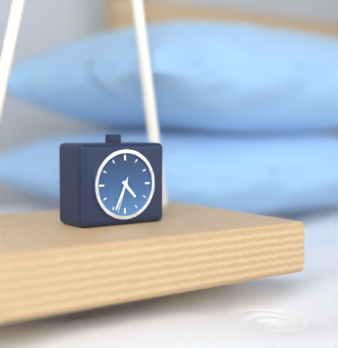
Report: 4:34
